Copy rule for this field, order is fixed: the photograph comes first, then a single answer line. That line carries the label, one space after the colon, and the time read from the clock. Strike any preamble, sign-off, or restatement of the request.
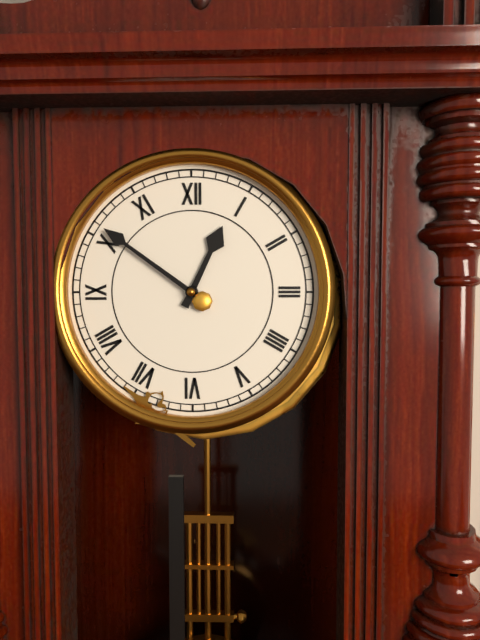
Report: 12:51
